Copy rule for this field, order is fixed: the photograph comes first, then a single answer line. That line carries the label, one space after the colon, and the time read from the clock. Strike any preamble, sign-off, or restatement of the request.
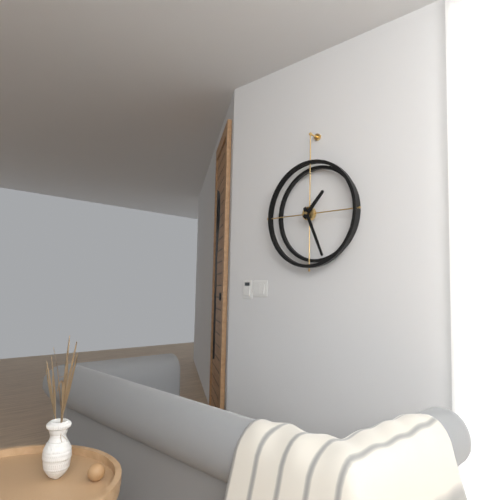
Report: 1:26
